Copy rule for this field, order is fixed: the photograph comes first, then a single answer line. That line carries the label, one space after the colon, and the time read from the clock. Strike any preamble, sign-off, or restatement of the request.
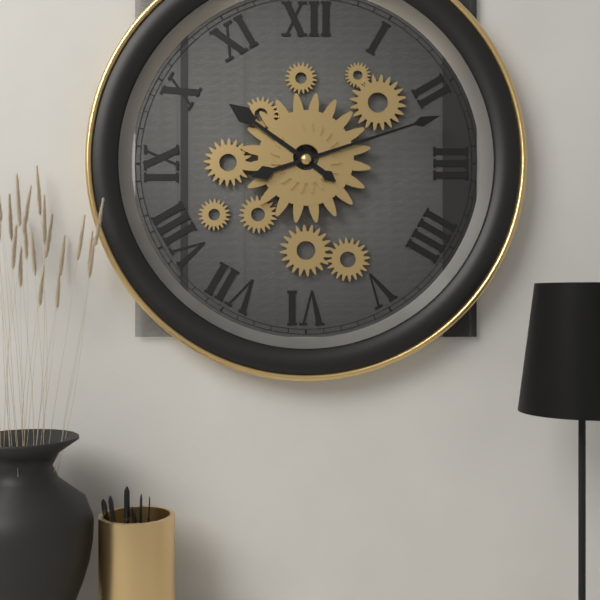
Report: 10:12
